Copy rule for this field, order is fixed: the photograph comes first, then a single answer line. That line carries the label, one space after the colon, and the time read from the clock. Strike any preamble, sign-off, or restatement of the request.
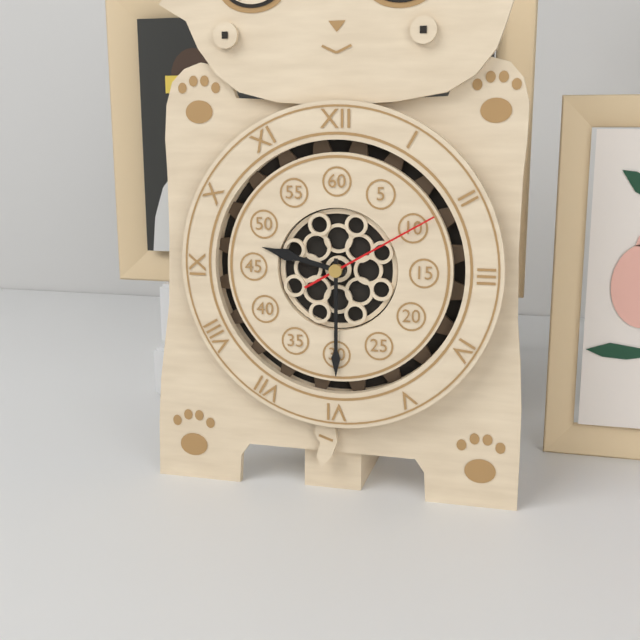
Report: 9:30:10
